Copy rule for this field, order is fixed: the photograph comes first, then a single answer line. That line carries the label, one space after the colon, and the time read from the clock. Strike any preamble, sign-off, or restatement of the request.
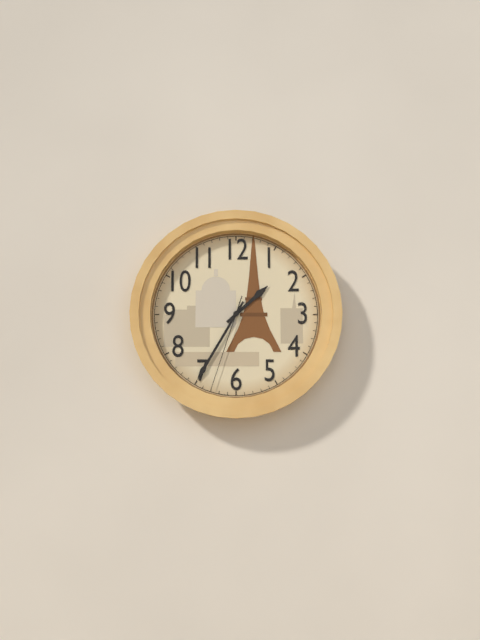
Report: 1:35:33
